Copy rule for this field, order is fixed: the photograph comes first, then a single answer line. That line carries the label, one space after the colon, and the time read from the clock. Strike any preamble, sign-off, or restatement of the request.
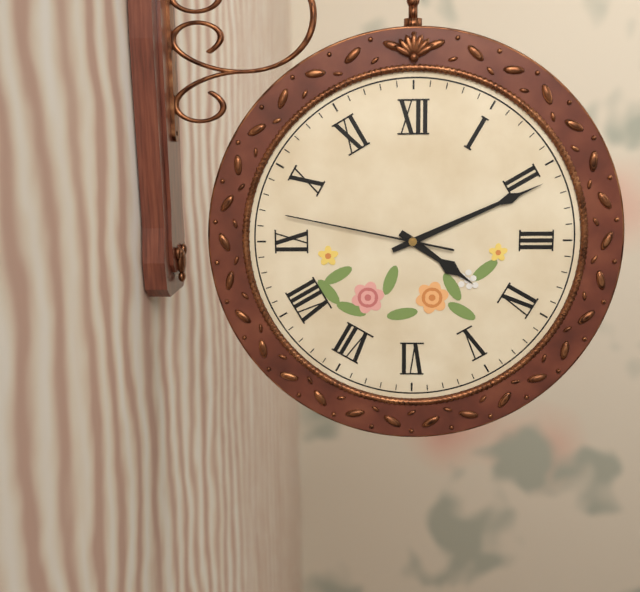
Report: 4:11:47
